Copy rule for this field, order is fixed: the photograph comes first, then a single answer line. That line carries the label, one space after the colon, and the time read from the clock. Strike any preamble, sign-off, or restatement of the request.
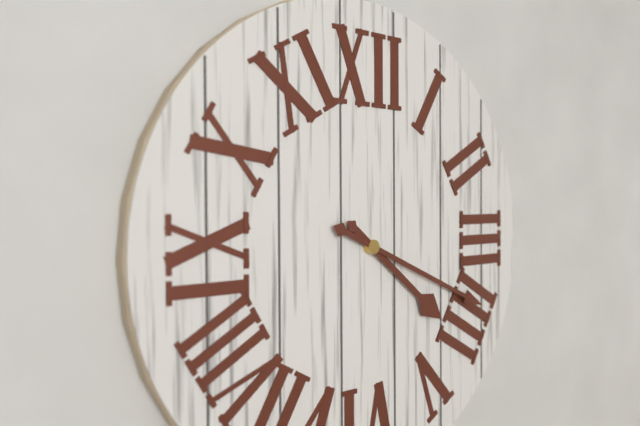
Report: 4:19
